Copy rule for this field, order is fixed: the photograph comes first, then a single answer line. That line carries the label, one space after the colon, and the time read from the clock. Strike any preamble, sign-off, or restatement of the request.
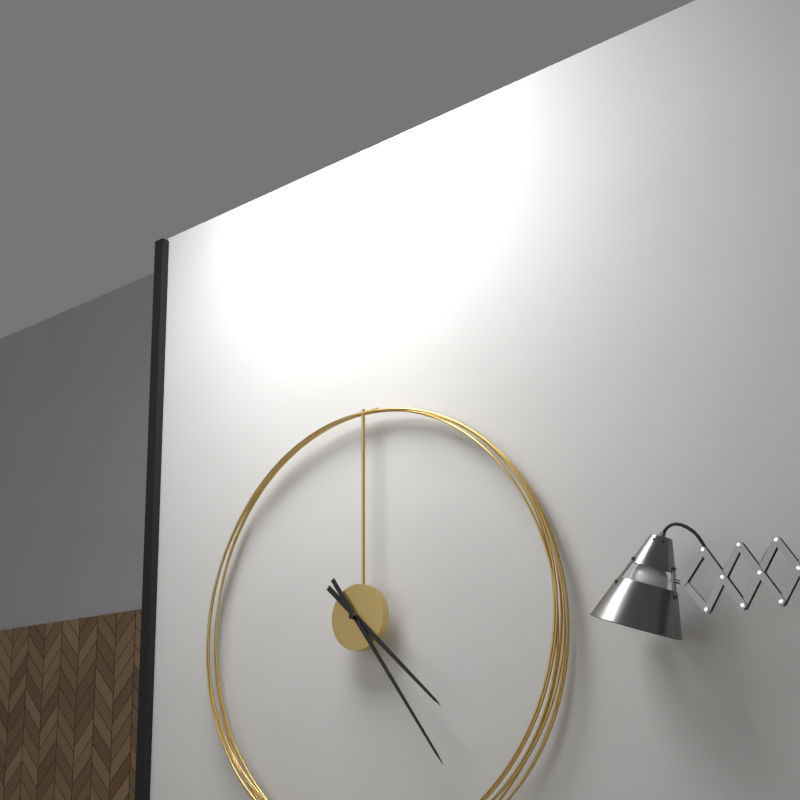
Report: 4:24
